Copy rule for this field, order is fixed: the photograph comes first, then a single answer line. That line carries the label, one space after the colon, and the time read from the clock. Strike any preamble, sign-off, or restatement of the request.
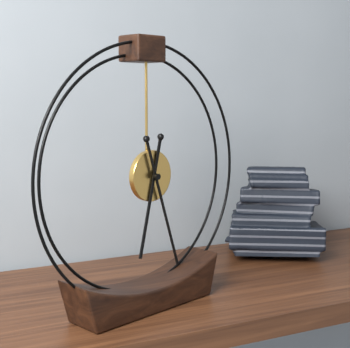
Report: 6:27
